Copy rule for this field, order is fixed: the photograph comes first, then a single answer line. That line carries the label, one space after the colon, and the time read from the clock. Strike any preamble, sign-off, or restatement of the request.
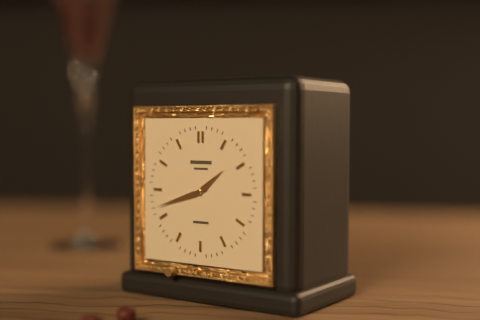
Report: 1:42
